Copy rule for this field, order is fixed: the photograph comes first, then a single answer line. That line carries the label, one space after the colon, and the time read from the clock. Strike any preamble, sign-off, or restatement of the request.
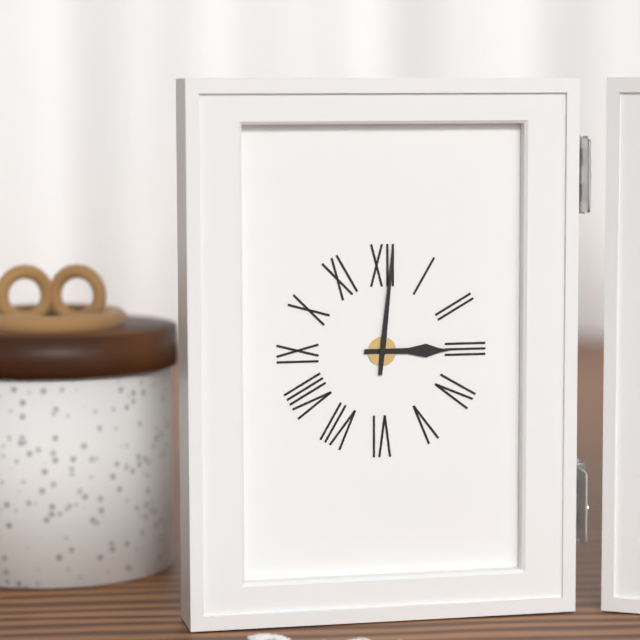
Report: 3:01
